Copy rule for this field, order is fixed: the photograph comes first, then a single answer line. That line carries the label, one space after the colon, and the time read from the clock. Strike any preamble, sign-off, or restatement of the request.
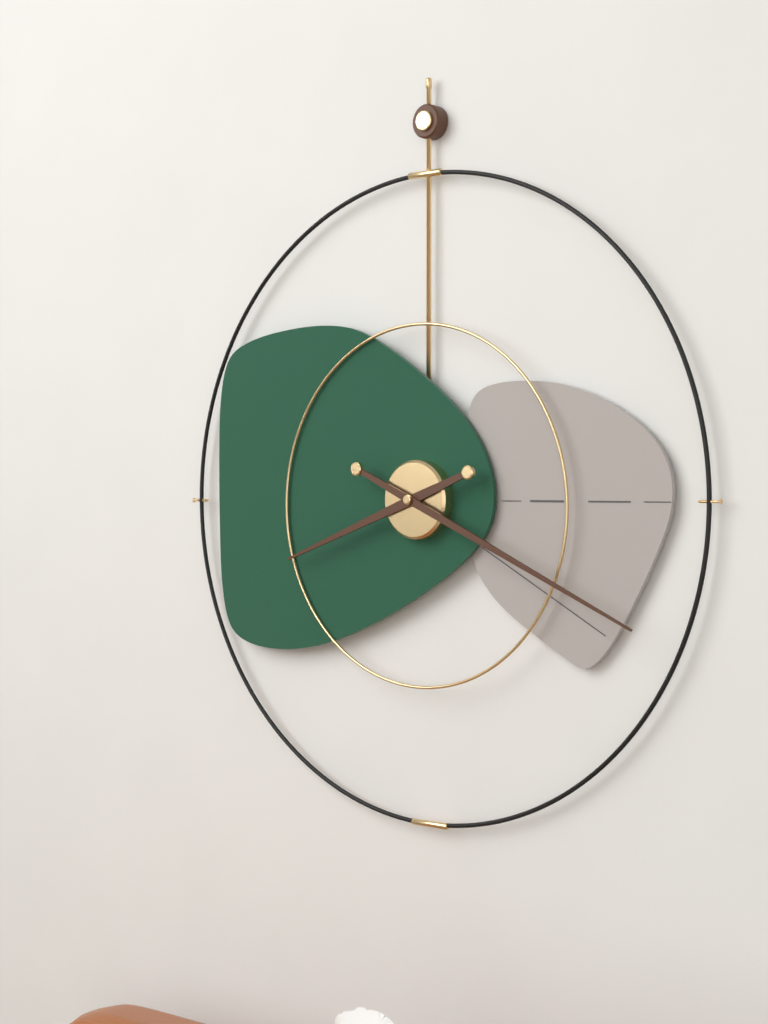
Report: 8:19
